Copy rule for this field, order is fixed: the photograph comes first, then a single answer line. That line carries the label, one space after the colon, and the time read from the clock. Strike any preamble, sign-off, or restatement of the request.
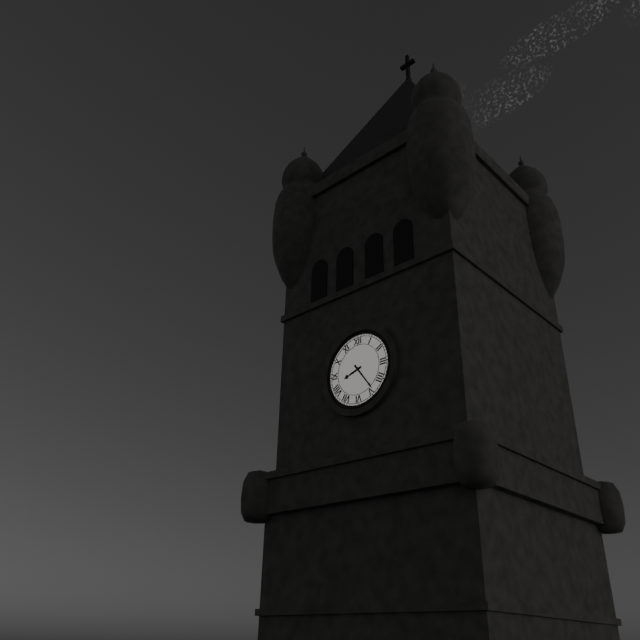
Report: 8:24
